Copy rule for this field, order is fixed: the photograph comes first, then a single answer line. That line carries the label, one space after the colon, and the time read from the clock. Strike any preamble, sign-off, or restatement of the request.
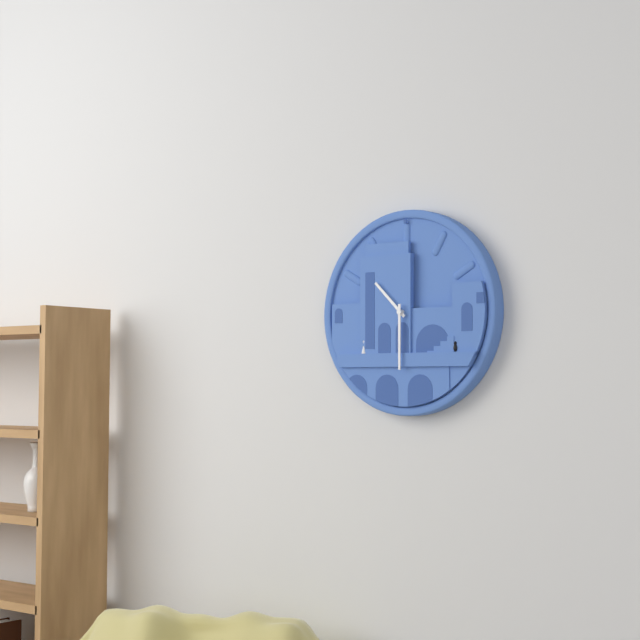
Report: 10:30
